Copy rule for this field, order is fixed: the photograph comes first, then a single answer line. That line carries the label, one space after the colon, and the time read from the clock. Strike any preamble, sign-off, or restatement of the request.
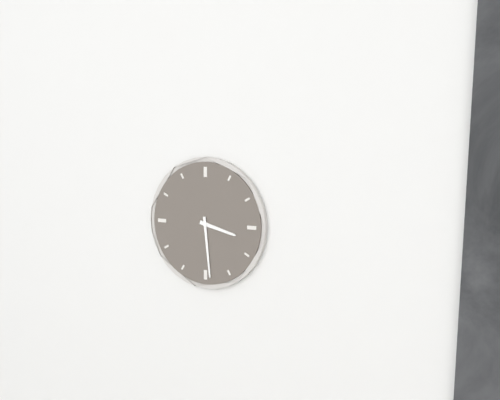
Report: 3:29
